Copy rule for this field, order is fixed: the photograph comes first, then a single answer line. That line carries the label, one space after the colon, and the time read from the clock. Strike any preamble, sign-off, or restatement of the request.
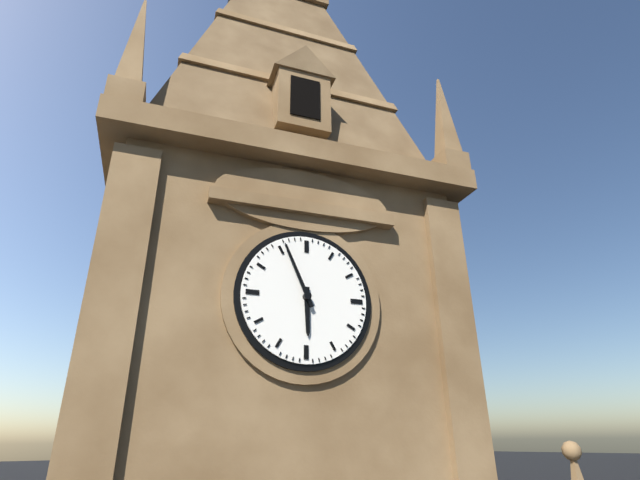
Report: 5:56
